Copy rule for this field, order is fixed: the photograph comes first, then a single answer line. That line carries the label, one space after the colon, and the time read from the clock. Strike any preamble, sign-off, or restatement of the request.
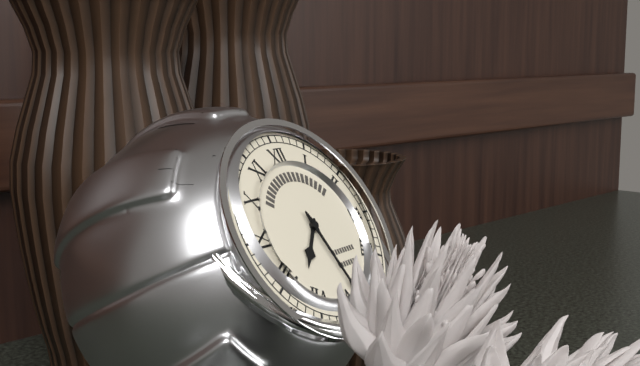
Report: 7:28
